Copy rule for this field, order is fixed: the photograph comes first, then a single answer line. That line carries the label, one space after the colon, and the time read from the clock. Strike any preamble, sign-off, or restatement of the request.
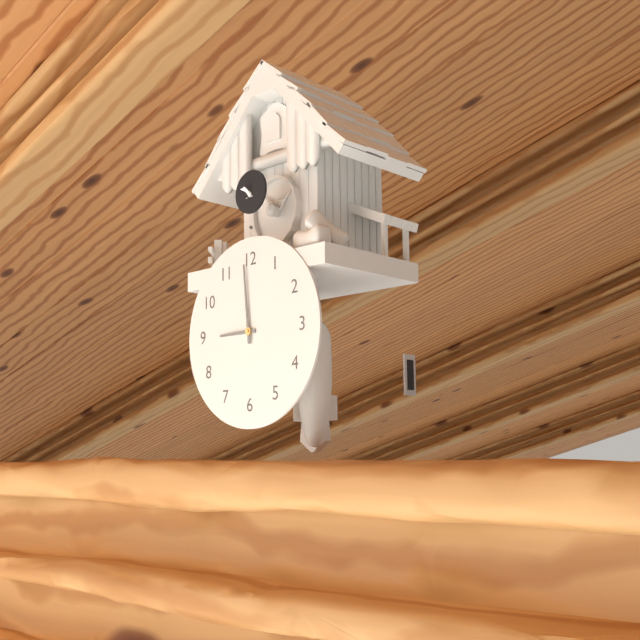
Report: 8:59
